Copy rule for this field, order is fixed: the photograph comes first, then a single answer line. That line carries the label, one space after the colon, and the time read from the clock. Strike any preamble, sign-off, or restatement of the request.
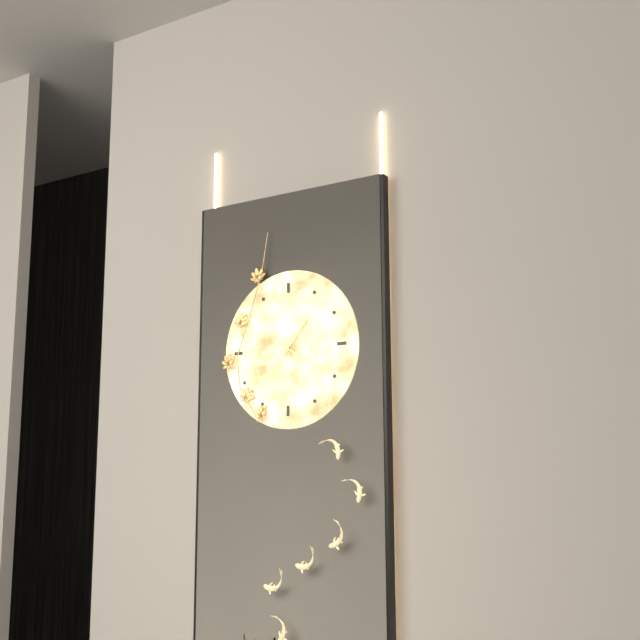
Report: 1:20
